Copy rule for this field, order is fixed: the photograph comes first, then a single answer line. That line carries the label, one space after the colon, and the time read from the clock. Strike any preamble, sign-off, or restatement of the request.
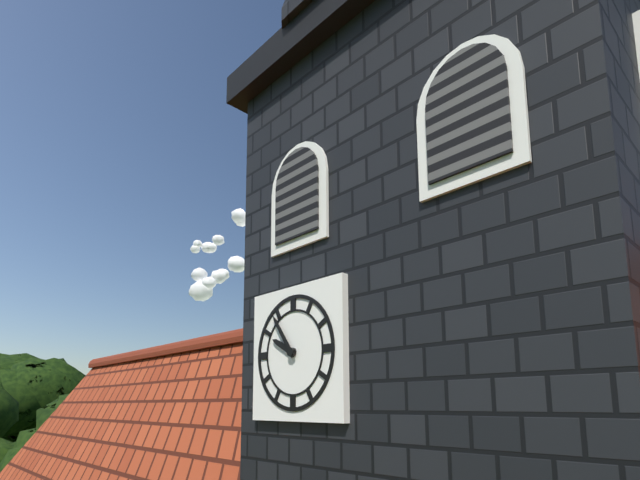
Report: 9:54
